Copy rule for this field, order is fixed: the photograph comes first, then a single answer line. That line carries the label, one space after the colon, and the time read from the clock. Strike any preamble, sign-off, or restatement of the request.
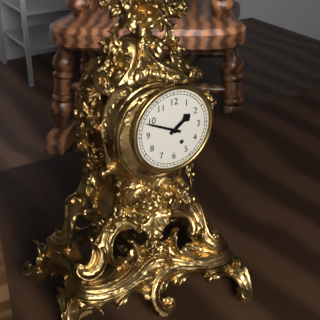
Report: 1:49
